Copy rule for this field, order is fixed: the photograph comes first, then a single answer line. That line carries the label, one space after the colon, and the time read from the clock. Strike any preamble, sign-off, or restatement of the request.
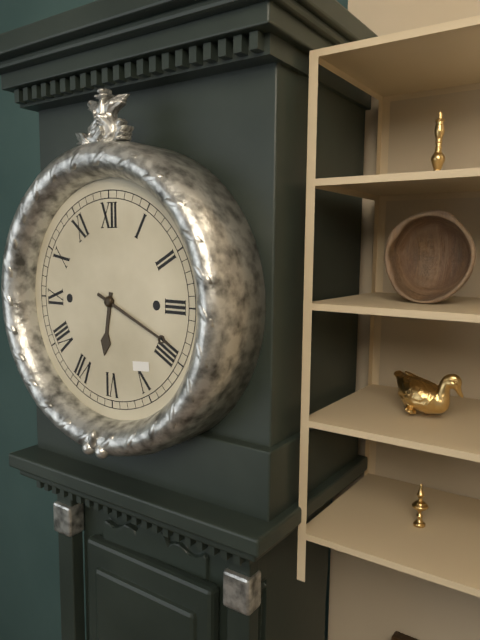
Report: 6:19
